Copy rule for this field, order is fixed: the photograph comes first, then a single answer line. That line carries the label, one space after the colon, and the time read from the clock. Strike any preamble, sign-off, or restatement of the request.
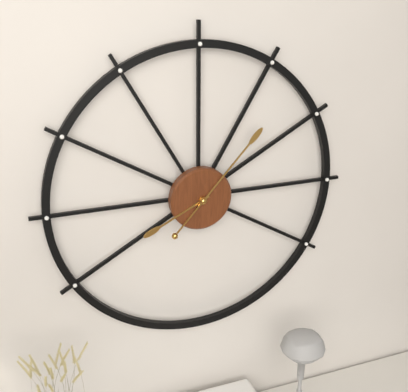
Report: 8:07
